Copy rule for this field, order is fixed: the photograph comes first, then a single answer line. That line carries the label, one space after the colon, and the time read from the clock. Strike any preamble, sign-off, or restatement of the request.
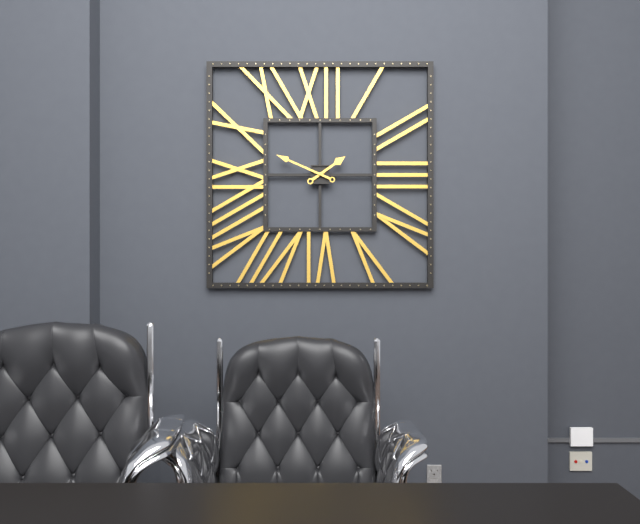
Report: 1:49
